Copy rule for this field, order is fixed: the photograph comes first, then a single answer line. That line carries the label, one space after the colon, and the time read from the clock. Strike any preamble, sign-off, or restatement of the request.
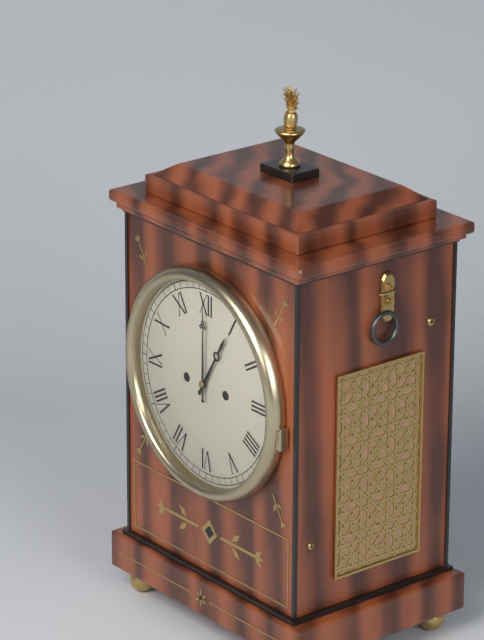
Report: 1:00
